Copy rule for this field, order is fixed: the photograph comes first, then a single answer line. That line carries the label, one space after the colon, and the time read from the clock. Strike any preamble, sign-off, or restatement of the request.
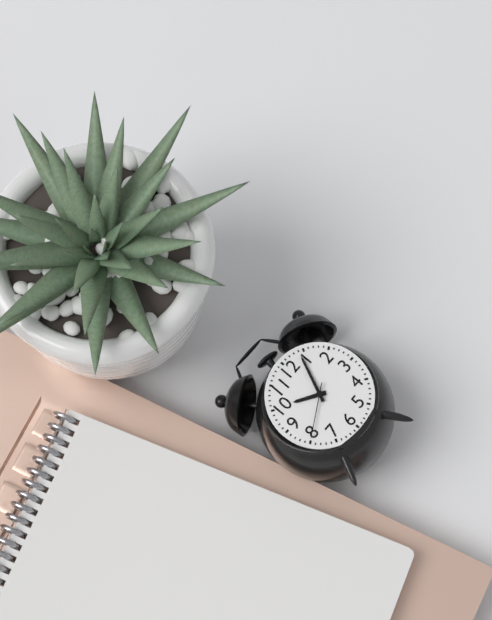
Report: 10:04:40
